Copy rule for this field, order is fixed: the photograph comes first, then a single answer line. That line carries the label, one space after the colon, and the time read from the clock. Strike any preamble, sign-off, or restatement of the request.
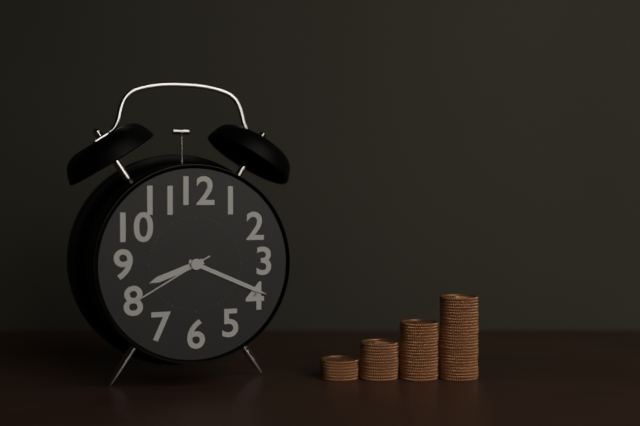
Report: 8:19:40
